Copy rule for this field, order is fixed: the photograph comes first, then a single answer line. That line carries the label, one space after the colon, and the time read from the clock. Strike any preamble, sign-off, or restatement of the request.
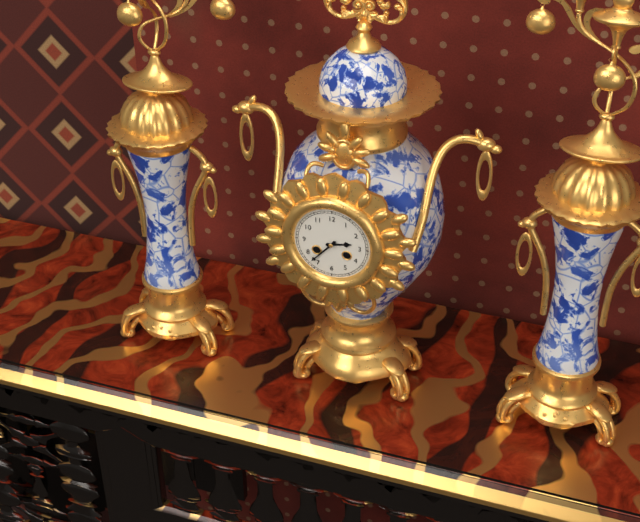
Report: 2:37
